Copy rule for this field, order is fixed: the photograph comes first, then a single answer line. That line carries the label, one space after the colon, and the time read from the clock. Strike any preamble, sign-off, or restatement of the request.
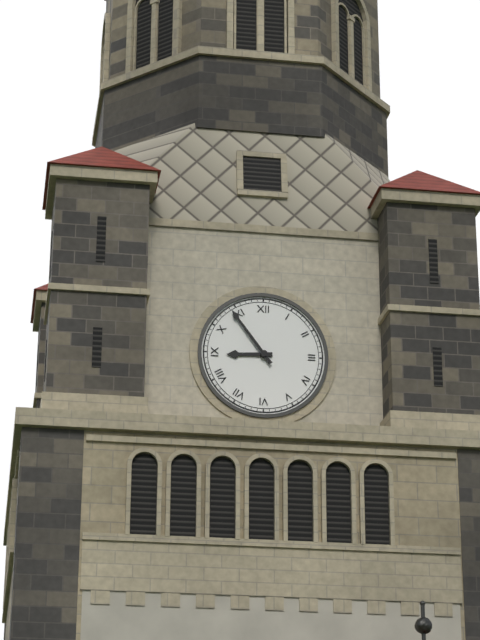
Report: 8:54
